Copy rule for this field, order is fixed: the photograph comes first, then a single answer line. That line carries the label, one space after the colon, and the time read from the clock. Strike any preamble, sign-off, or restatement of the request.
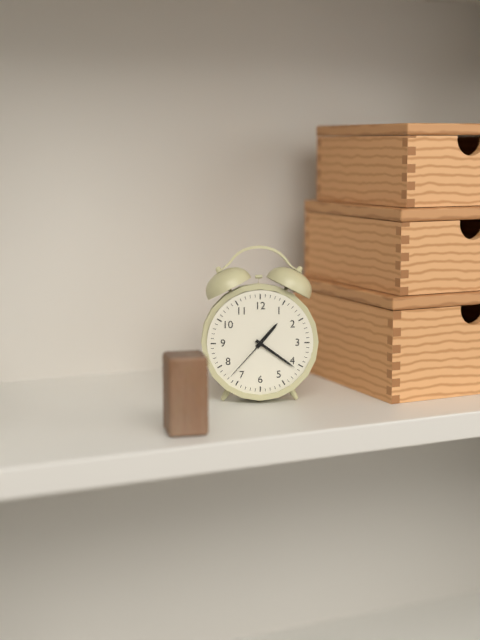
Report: 1:21:37
